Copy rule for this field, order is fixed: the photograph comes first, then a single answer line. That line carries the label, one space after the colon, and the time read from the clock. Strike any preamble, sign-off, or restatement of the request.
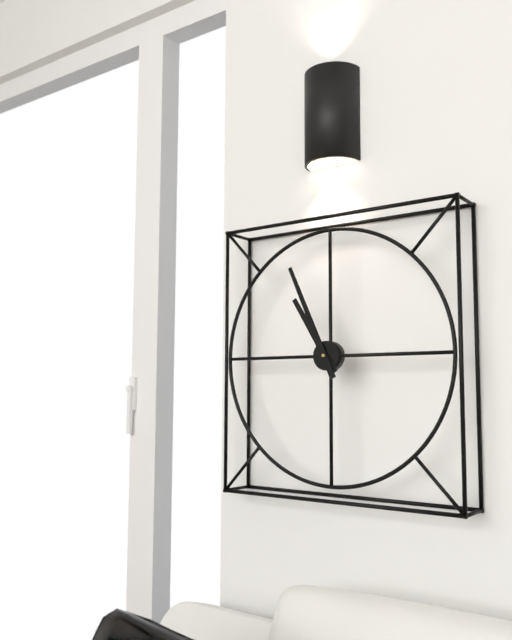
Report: 10:56
